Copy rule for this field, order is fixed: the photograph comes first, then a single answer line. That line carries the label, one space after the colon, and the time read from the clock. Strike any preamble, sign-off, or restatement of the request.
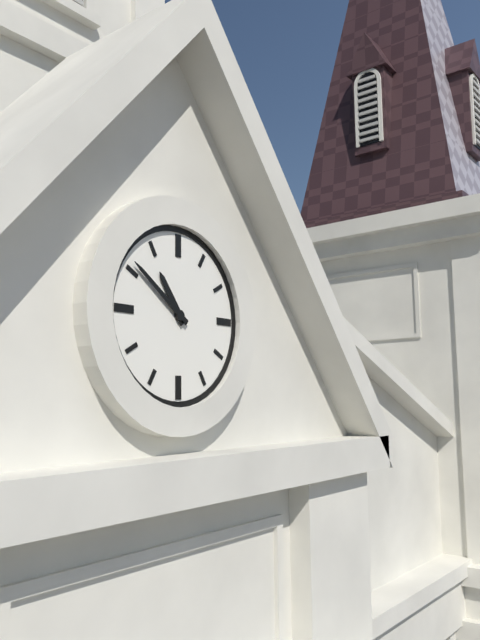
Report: 10:51
